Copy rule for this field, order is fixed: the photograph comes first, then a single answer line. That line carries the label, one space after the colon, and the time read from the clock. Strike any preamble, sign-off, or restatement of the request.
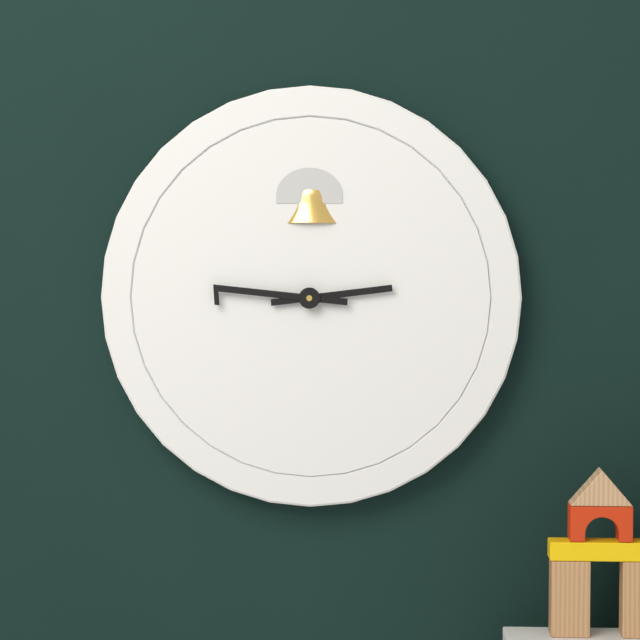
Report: 2:46
